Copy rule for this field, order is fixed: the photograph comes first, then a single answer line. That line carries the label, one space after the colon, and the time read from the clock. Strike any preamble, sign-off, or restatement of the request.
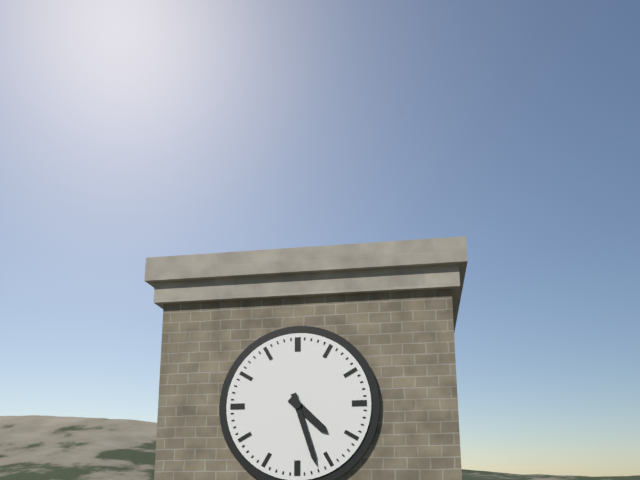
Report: 4:27
